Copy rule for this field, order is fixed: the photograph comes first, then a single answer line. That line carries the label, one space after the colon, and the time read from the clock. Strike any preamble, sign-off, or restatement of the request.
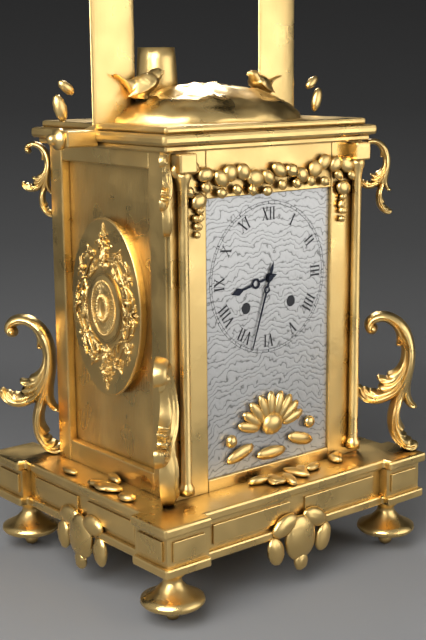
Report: 8:33
